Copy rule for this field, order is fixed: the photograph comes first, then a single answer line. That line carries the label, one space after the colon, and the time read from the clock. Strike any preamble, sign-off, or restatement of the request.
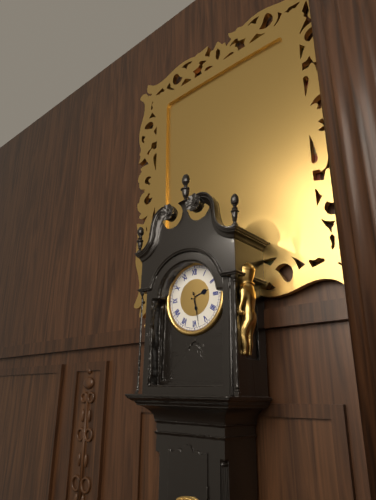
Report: 2:28
